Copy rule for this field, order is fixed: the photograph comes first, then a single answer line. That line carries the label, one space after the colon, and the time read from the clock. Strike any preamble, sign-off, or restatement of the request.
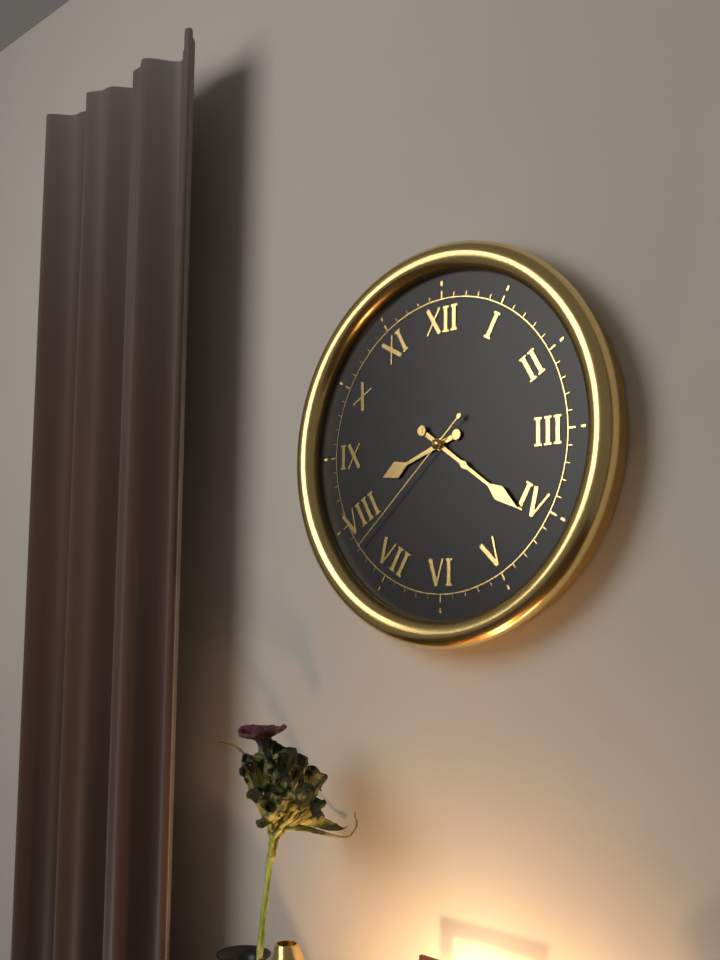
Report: 8:21:38
